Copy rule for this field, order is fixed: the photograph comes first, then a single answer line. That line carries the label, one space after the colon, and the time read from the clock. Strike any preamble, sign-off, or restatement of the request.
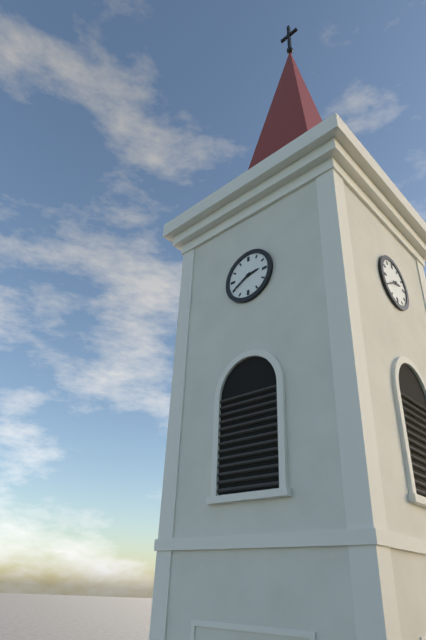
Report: 2:40
